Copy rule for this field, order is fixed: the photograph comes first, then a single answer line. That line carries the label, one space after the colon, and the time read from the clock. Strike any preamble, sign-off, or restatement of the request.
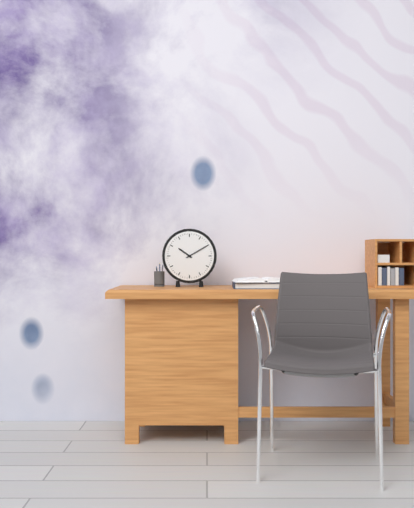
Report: 10:10
